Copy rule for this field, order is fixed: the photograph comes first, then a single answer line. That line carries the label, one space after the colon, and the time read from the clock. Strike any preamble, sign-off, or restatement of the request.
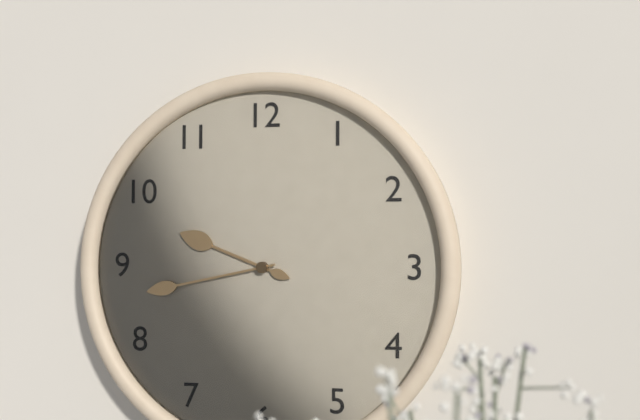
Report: 9:43
